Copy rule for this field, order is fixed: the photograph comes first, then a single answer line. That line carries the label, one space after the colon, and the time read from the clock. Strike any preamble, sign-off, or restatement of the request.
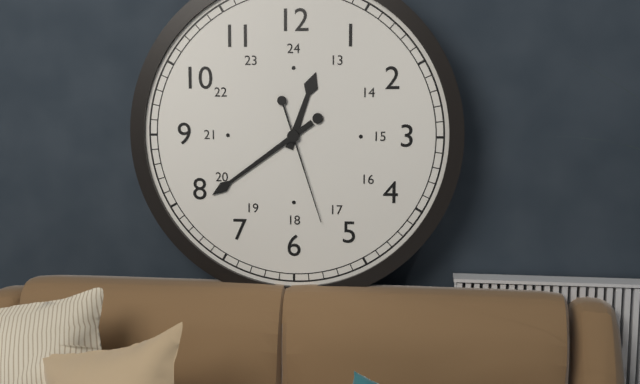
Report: 12:39:27
